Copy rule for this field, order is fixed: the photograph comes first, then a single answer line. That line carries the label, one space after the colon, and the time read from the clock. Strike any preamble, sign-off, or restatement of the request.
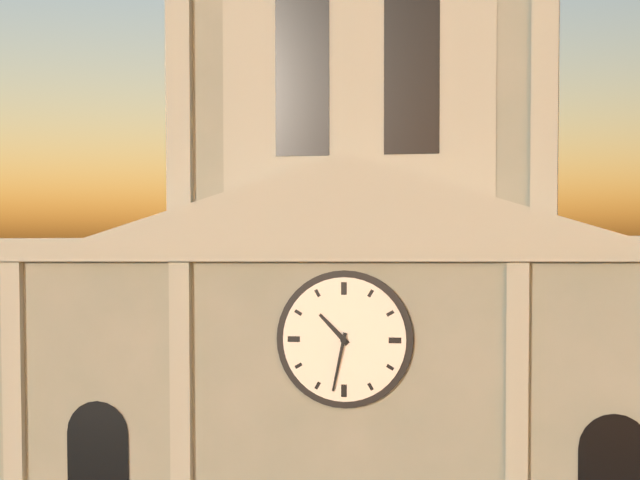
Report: 10:32
